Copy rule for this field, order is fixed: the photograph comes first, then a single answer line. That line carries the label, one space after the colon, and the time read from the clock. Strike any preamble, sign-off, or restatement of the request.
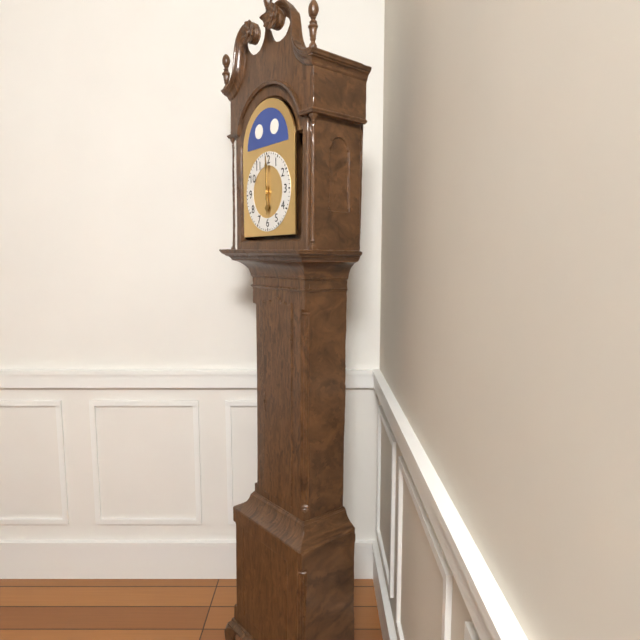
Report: 6:00
